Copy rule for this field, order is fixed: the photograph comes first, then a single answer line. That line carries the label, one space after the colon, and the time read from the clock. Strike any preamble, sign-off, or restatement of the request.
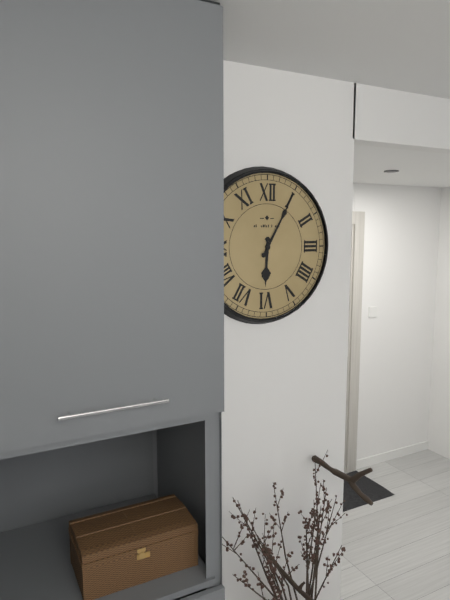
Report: 6:05
